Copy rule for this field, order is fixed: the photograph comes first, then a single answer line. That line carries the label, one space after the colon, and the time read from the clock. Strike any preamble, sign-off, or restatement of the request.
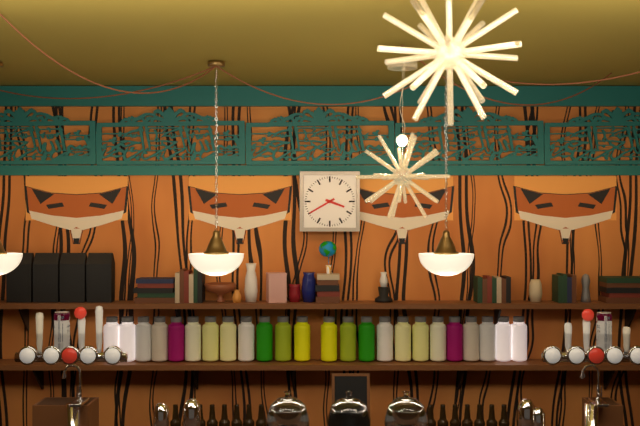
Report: 3:40
